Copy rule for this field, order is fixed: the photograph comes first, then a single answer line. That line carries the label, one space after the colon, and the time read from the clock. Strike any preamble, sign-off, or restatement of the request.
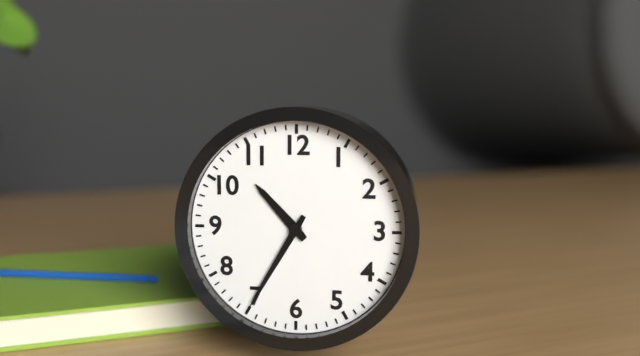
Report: 10:35
